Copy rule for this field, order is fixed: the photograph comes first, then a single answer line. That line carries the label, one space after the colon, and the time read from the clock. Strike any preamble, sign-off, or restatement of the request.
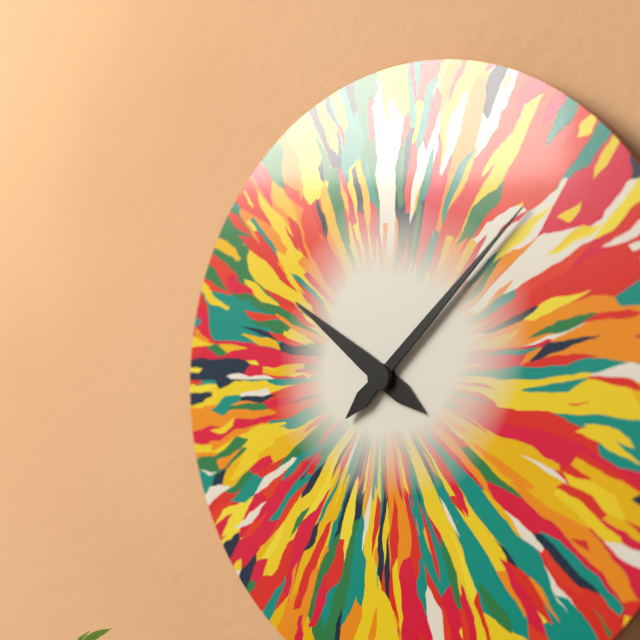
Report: 10:08
